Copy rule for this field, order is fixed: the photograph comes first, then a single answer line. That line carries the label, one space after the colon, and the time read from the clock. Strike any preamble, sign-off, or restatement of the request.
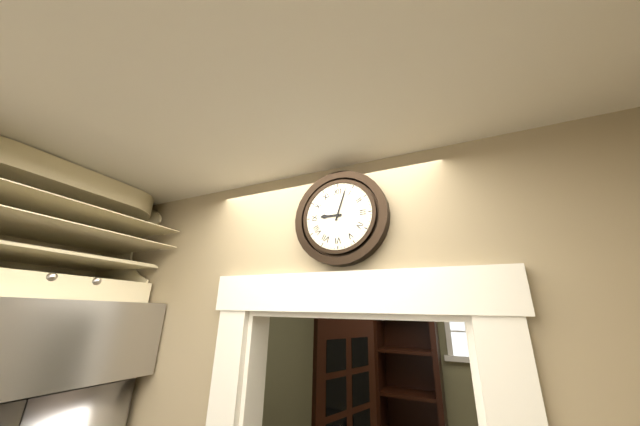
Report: 9:03
